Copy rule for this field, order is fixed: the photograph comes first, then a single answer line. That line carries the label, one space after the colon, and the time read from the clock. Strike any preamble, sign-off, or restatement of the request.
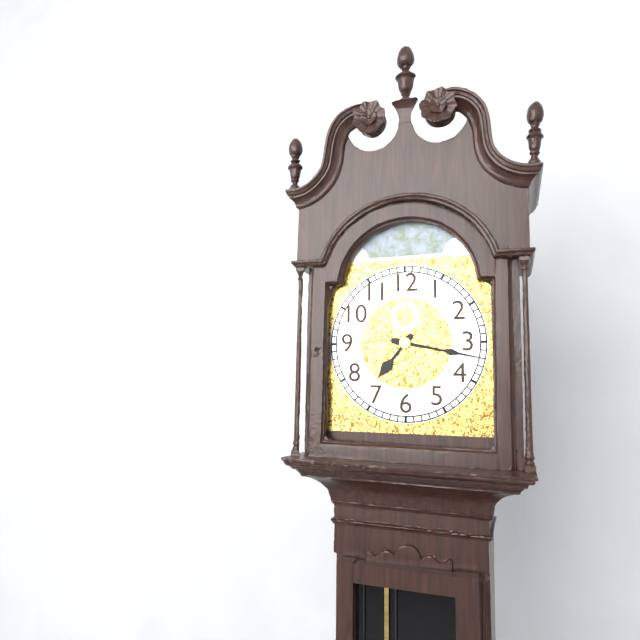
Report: 7:17
